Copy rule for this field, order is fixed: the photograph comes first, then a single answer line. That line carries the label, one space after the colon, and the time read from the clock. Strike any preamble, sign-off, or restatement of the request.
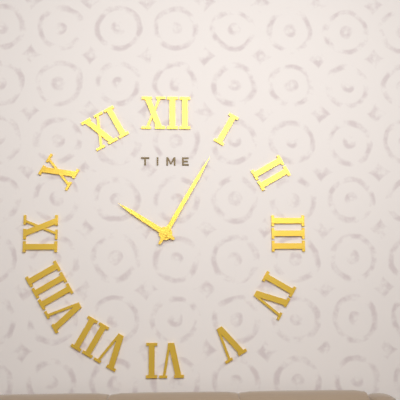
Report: 10:05
